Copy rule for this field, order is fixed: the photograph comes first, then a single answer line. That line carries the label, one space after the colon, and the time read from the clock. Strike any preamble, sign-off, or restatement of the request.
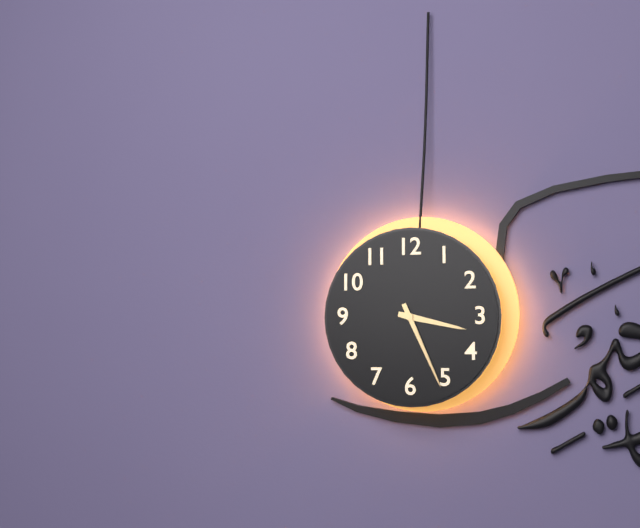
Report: 3:26
